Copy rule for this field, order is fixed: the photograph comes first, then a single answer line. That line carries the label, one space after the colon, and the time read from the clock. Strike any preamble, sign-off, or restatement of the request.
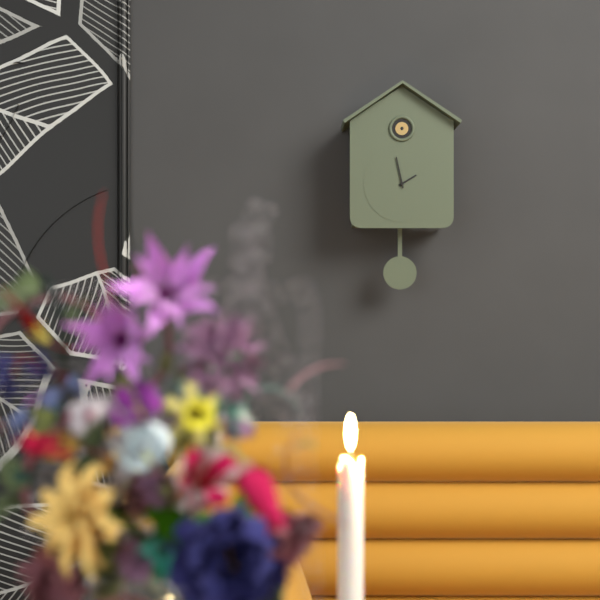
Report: 1:58
